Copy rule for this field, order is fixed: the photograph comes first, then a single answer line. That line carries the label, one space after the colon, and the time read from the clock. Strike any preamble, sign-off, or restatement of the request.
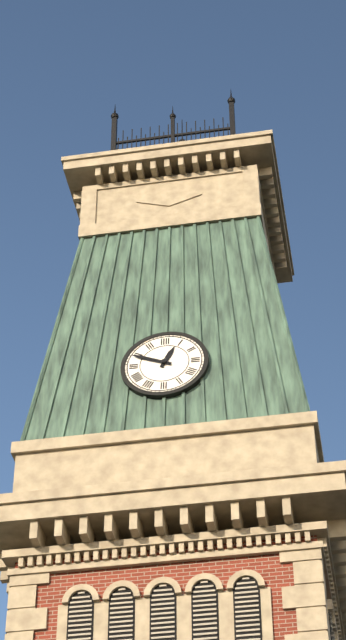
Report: 12:49
